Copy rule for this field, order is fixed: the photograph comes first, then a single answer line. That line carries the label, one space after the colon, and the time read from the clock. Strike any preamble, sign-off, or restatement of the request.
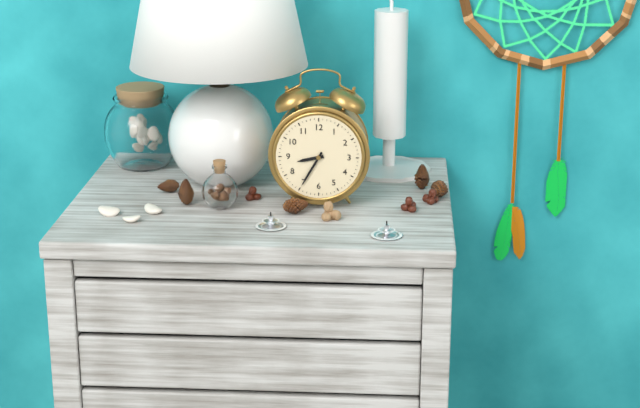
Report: 8:35
